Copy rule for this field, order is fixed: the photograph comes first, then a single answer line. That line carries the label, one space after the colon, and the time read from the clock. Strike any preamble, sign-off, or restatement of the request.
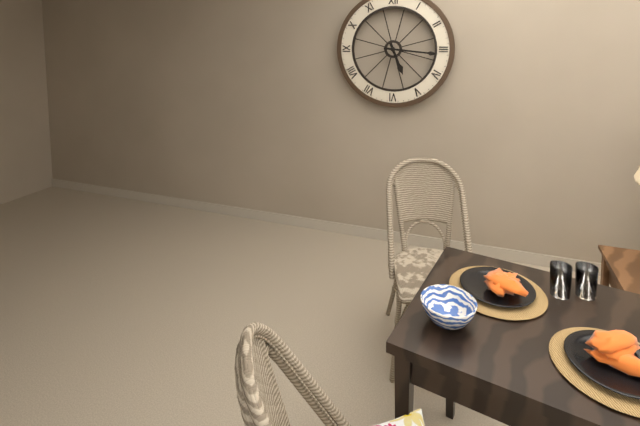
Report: 5:16
